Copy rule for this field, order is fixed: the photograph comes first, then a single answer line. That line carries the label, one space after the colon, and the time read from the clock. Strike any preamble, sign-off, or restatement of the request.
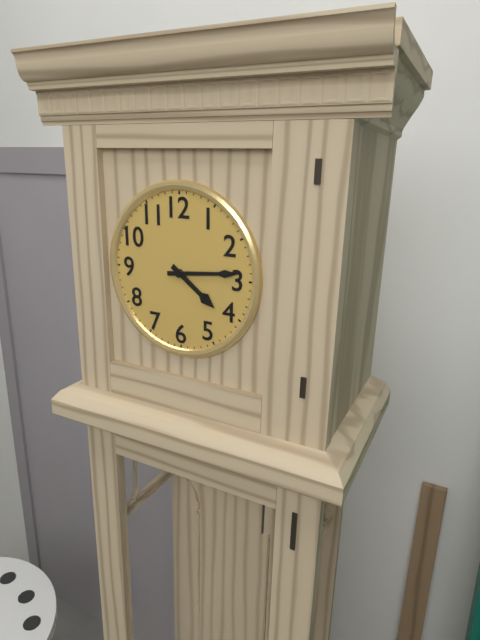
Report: 4:14
